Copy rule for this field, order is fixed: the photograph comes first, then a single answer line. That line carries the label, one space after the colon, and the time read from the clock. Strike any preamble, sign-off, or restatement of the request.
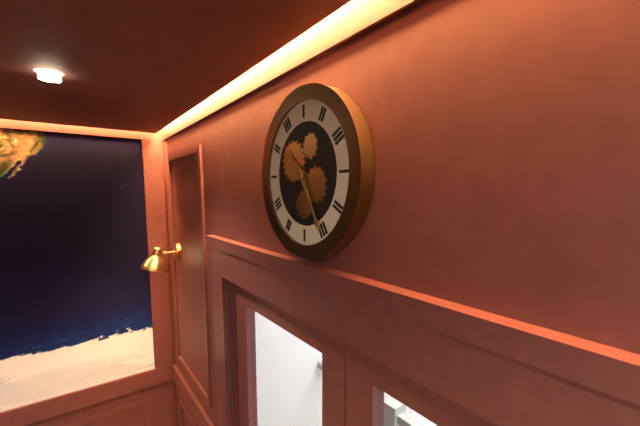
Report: 10:25
